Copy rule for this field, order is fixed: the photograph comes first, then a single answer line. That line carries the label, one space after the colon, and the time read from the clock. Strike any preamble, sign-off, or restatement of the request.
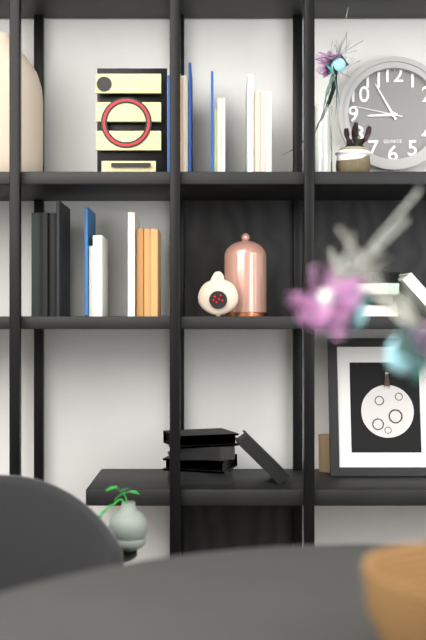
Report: 8:55
